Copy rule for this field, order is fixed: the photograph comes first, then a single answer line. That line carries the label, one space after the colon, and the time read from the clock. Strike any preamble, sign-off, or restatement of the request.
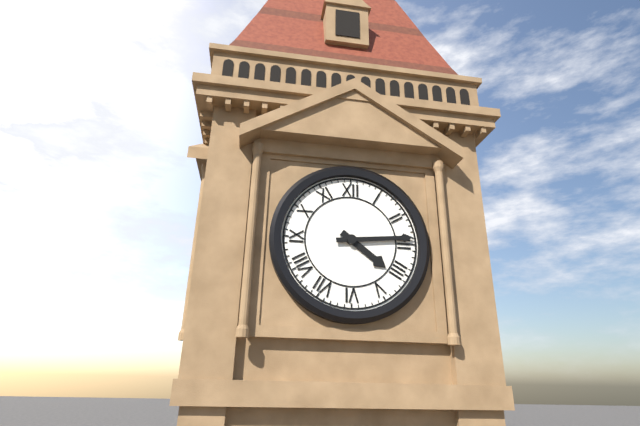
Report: 4:14
